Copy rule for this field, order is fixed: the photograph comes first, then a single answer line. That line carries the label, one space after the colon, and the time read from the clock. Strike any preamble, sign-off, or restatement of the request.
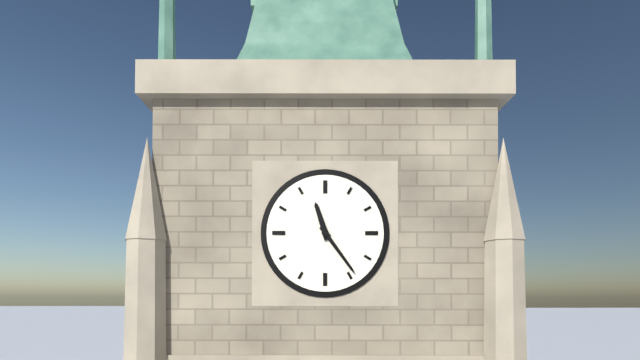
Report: 11:24
